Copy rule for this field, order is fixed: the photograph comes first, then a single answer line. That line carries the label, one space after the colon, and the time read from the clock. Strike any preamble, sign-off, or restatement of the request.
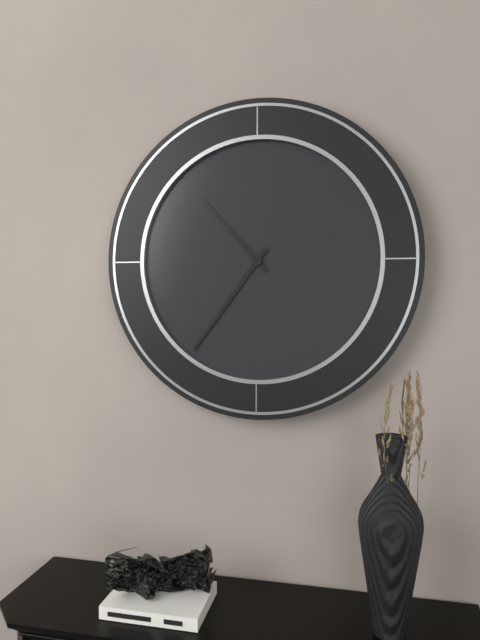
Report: 10:36
